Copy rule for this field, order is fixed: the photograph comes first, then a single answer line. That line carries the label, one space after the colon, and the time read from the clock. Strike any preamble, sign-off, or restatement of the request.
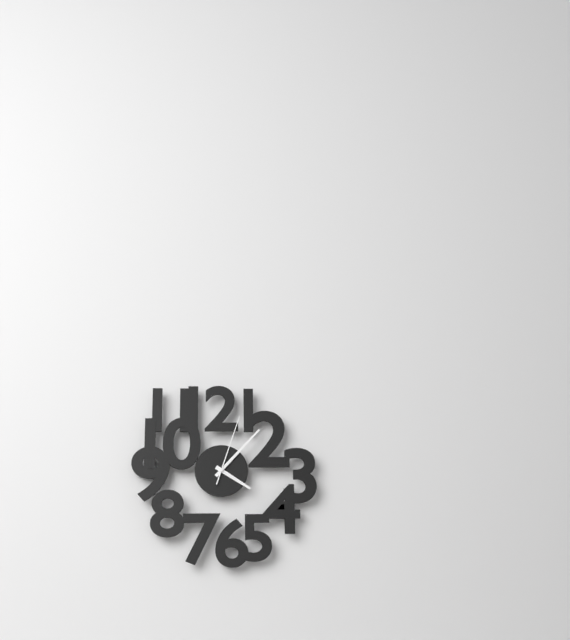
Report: 4:07:03
